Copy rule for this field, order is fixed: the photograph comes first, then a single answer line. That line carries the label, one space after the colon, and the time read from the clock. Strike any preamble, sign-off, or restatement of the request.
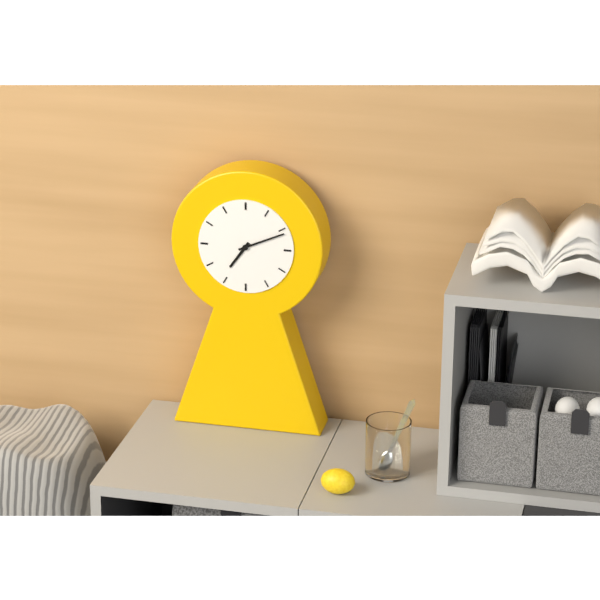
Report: 7:11
